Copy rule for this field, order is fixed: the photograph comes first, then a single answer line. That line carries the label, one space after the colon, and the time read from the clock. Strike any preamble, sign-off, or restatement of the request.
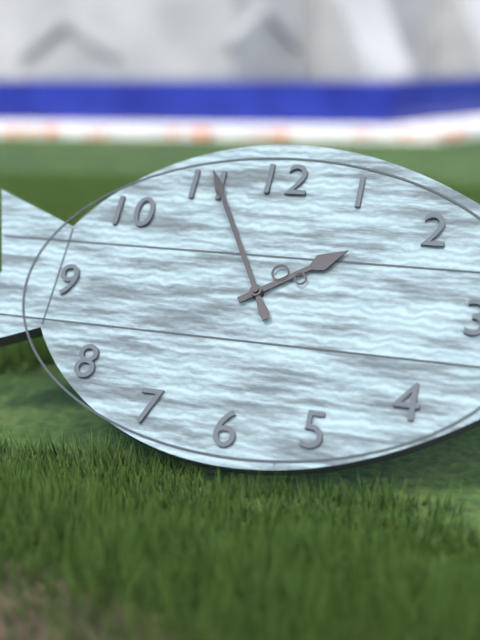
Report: 1:55
